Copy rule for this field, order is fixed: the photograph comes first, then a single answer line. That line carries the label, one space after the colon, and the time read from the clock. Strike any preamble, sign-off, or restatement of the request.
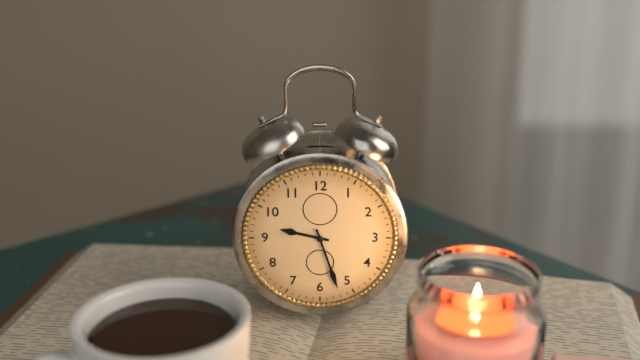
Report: 9:27
